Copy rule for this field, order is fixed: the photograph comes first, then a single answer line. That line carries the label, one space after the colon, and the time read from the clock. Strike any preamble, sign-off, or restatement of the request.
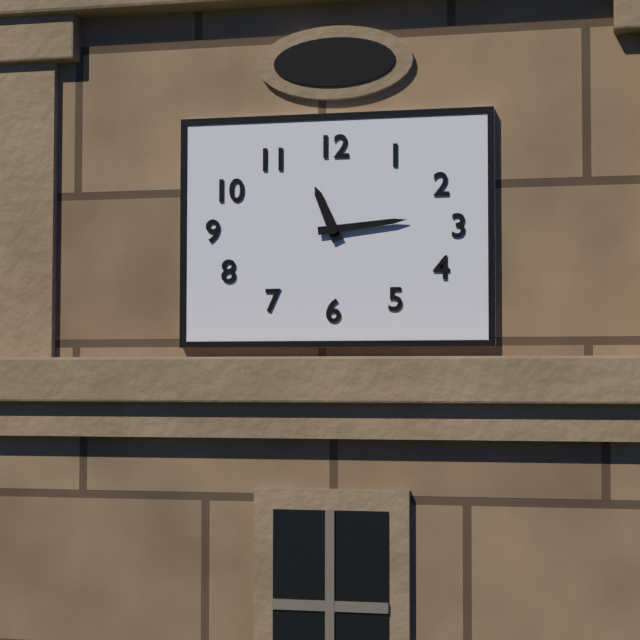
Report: 11:14
